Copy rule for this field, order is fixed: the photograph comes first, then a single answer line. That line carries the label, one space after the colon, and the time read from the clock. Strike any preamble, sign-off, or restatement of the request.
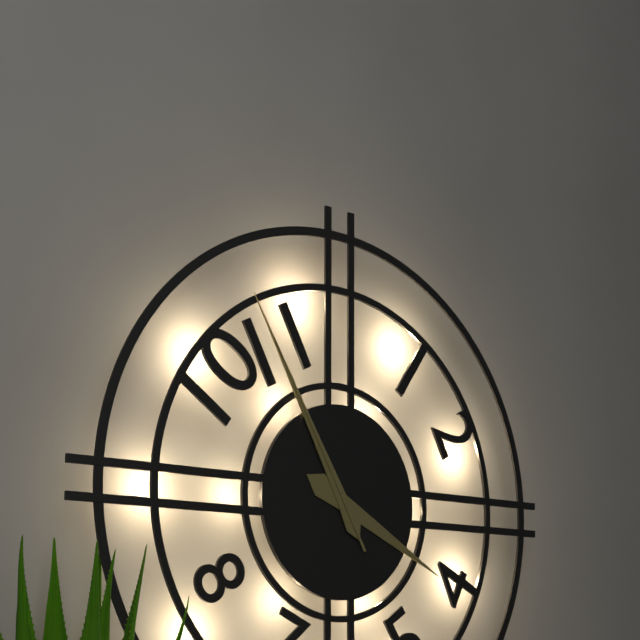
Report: 3:55:55
